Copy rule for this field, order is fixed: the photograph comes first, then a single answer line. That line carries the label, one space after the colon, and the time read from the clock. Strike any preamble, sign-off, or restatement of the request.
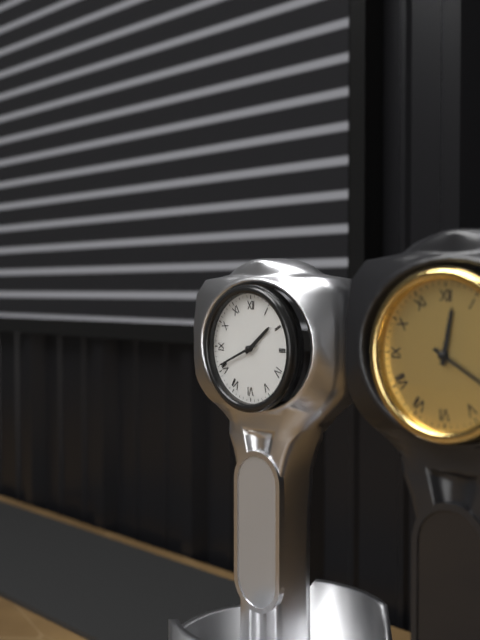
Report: 1:41
